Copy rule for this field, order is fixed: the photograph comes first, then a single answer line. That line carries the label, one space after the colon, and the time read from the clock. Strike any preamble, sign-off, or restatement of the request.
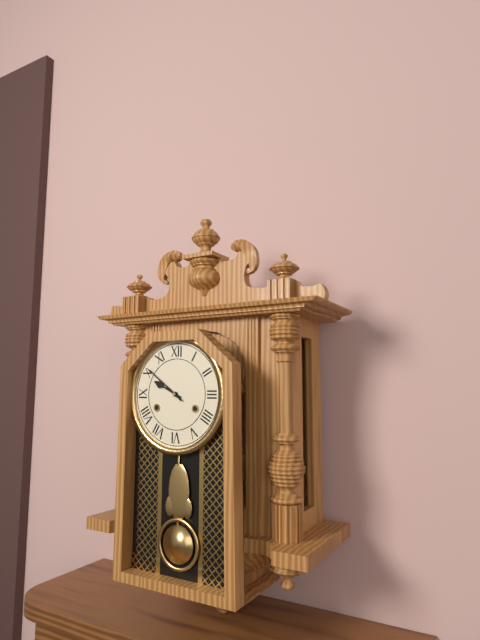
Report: 9:51
